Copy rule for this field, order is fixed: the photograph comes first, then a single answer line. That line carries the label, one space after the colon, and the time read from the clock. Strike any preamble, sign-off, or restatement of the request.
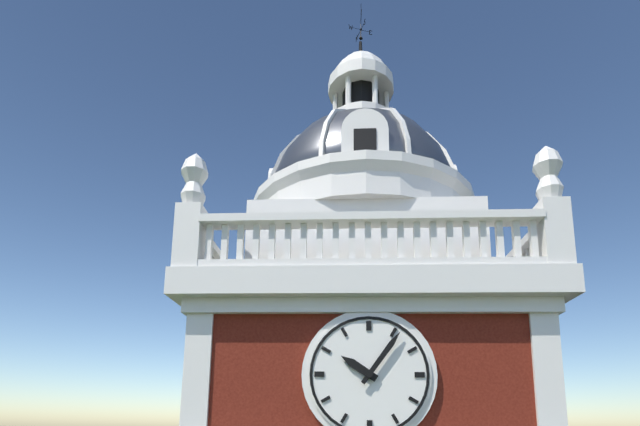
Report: 10:06
